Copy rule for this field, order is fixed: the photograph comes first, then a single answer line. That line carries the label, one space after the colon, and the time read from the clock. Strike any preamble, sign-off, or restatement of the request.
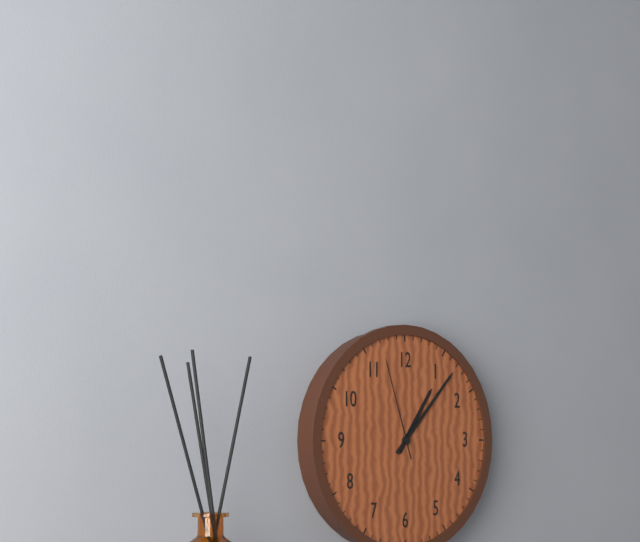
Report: 1:07:57
